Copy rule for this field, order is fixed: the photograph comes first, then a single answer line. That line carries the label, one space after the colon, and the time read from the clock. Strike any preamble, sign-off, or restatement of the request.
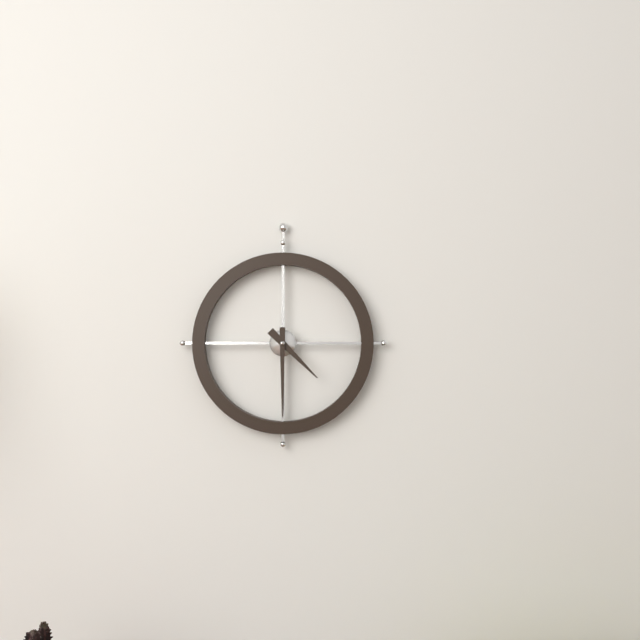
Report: 4:30
